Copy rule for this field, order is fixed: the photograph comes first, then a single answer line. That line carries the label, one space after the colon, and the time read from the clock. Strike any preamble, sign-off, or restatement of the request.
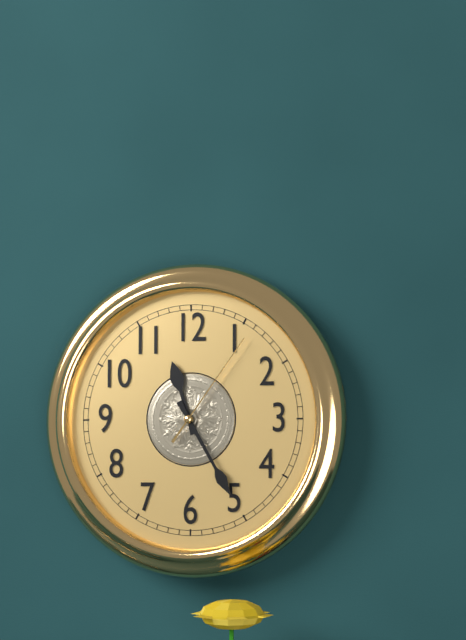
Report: 11:25:06
